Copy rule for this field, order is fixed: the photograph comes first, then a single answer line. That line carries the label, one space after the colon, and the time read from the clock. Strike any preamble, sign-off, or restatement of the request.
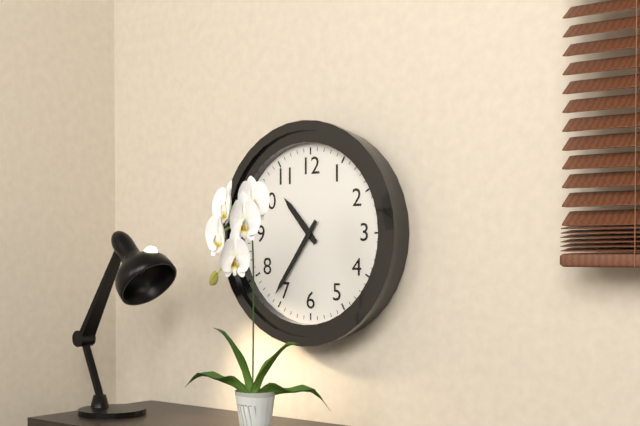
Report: 10:36
